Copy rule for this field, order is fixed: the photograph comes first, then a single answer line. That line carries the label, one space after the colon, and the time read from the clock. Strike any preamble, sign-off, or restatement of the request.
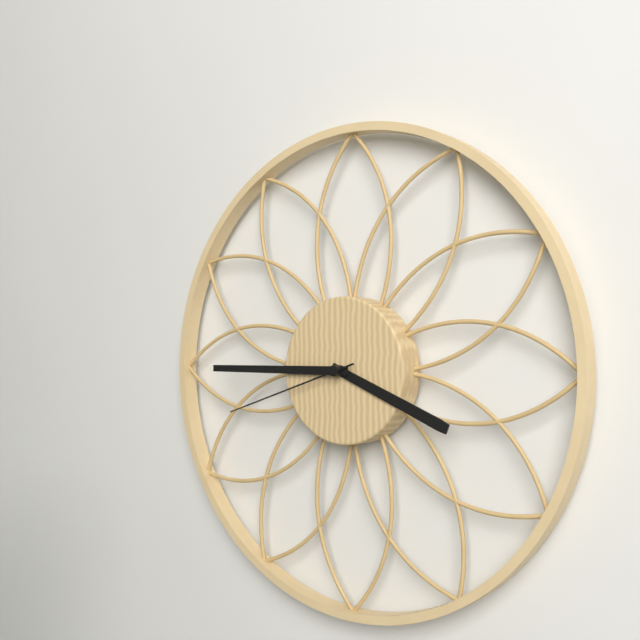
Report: 3:45:42
